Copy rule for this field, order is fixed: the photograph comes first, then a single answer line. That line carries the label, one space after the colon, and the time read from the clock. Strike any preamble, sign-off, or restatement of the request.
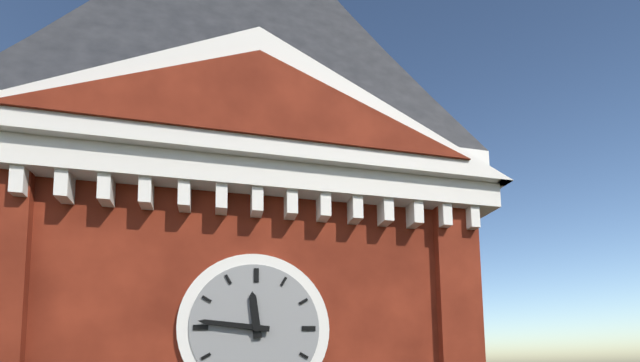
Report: 11:46
